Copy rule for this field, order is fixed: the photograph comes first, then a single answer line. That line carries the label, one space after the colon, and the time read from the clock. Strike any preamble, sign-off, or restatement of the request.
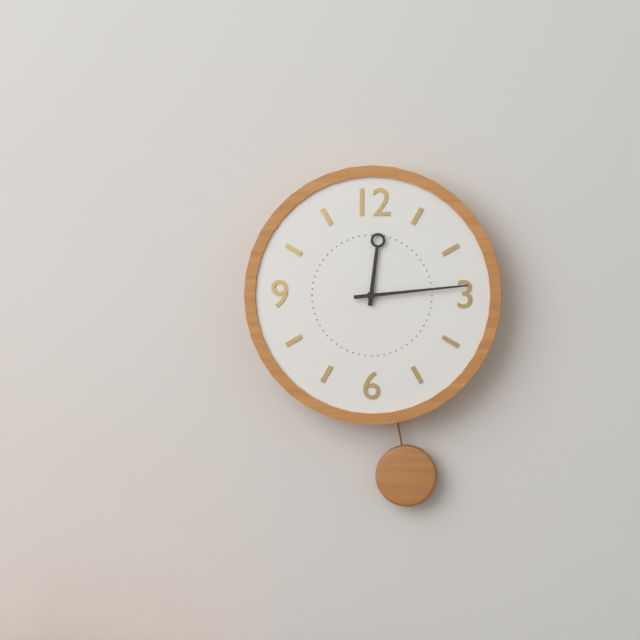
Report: 12:14
